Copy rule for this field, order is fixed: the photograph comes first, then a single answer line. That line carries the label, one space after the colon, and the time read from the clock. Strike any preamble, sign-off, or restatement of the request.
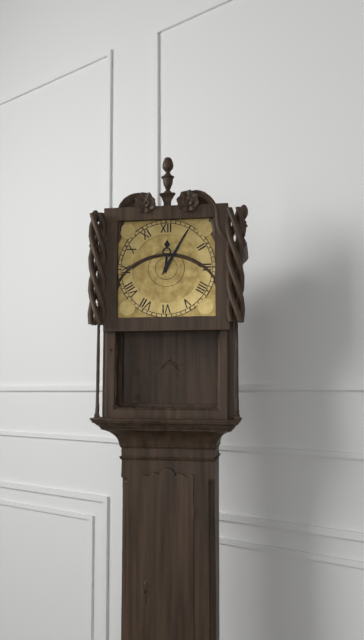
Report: 12:05
